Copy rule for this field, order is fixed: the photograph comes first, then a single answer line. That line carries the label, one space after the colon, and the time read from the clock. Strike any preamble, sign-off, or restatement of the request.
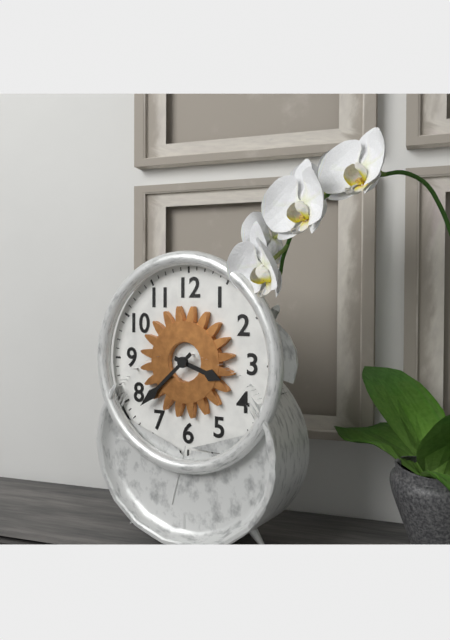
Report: 3:38
